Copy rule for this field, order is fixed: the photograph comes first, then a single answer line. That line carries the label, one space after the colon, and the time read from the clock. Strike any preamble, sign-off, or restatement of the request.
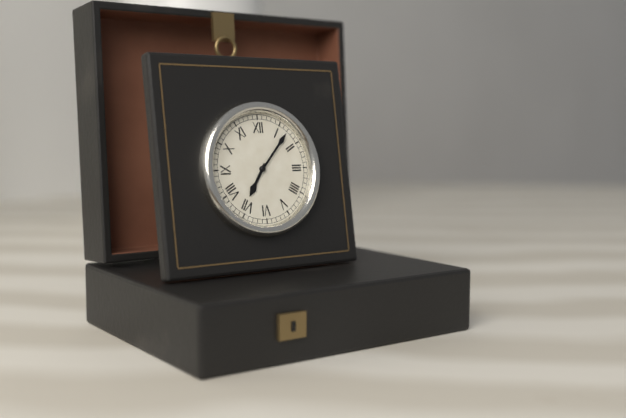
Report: 7:07
